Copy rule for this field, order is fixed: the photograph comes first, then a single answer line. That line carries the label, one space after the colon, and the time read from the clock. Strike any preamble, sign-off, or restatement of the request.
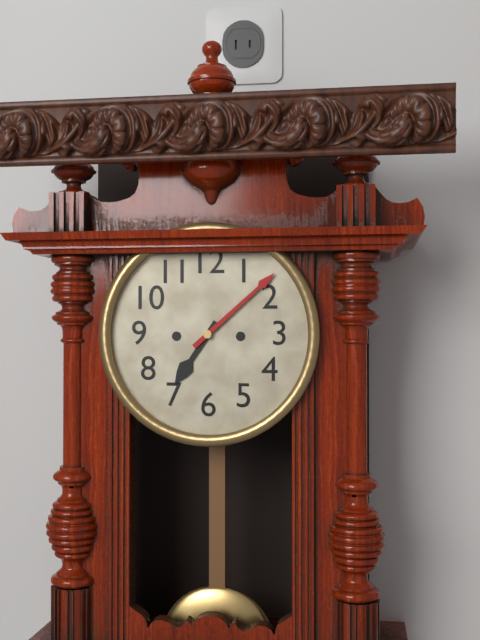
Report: 7:08
